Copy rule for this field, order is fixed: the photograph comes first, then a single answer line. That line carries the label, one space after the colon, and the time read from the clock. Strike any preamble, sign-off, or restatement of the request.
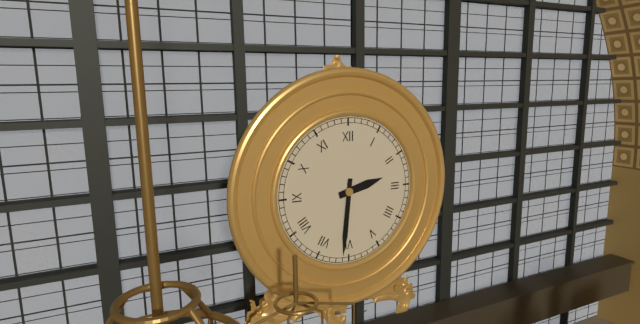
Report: 2:31
